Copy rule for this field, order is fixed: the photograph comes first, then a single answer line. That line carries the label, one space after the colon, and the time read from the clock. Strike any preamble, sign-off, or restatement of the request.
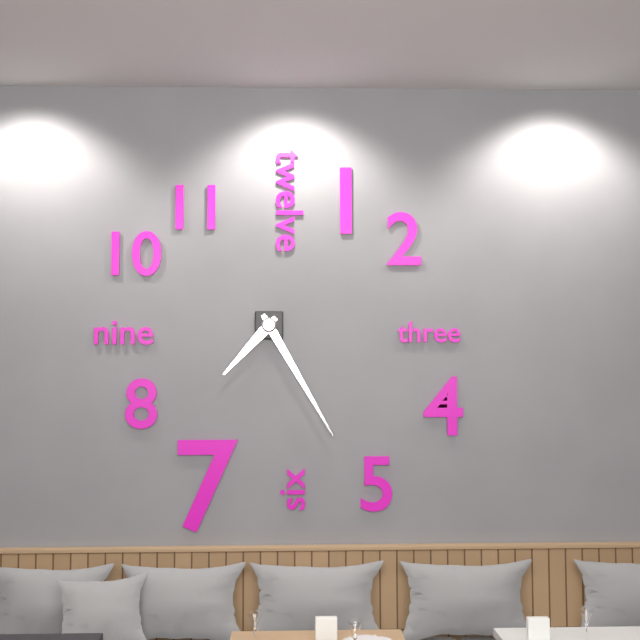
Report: 7:25
